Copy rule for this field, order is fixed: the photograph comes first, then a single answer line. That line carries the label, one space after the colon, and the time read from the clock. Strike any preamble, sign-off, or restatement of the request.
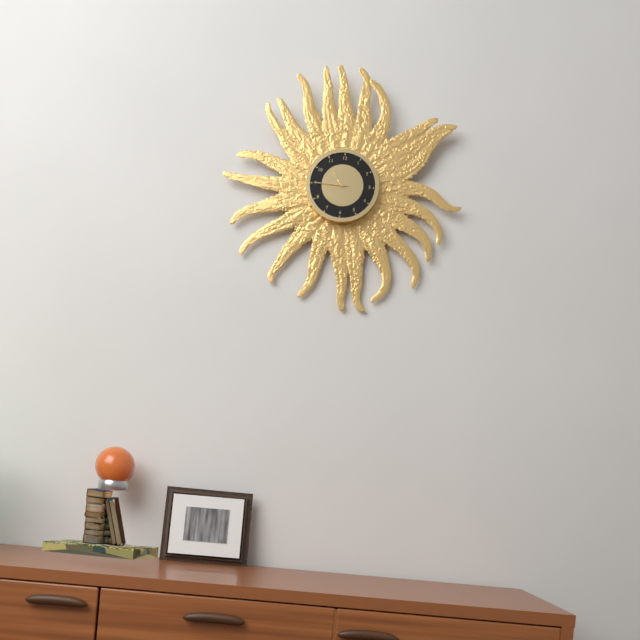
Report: 10:45
